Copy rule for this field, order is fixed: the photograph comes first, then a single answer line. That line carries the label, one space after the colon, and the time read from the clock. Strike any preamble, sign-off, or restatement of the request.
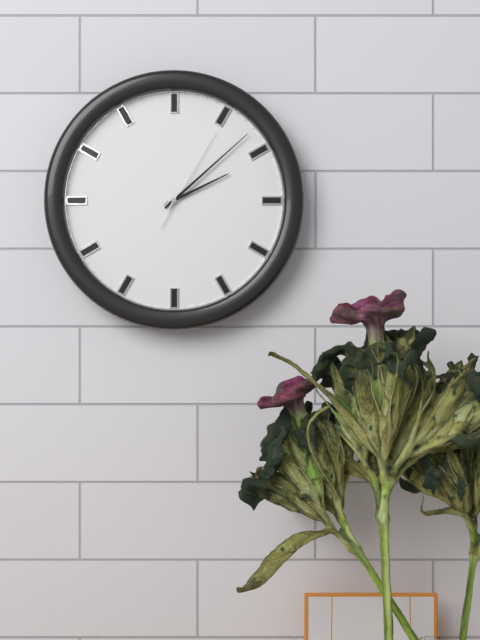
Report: 2:08:05
